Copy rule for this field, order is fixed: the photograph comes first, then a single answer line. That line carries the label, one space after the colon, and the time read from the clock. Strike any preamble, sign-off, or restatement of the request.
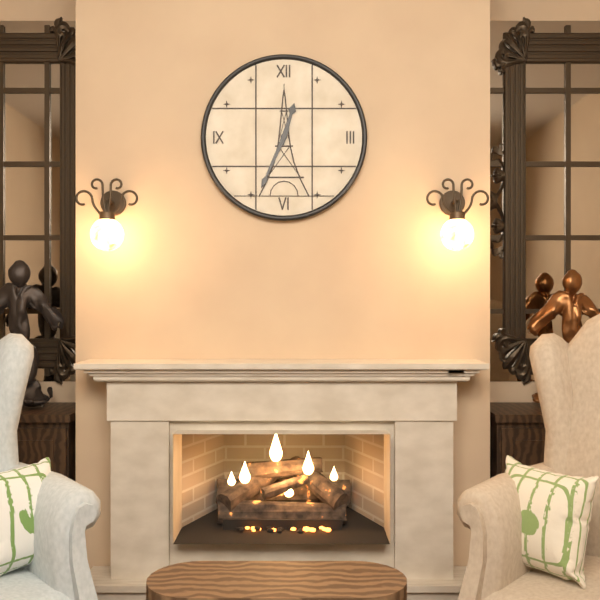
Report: 12:34
